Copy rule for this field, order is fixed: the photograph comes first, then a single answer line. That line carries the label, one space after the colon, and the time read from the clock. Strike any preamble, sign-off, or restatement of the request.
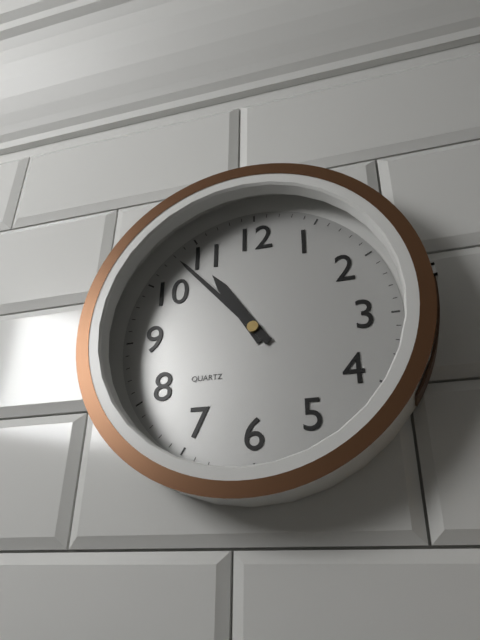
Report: 10:53
